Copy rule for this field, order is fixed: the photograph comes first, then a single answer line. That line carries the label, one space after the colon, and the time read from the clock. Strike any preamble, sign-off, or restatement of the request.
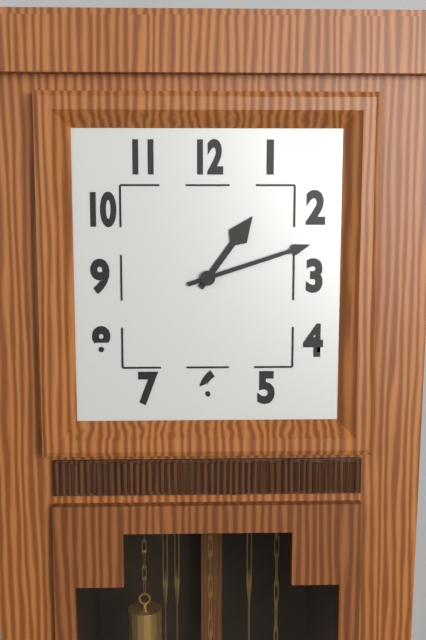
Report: 1:12
